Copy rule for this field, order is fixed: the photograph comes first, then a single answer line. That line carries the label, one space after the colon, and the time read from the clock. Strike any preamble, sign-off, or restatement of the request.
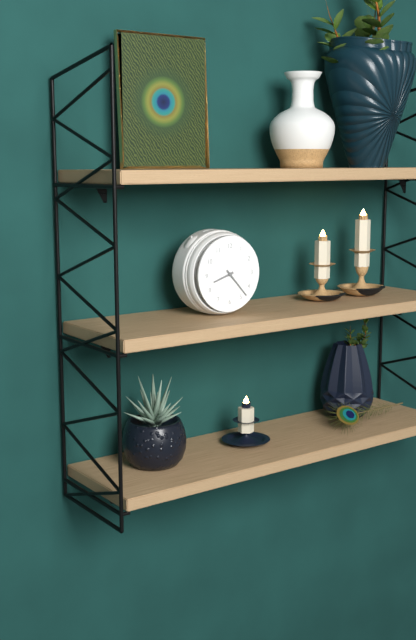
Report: 8:23
